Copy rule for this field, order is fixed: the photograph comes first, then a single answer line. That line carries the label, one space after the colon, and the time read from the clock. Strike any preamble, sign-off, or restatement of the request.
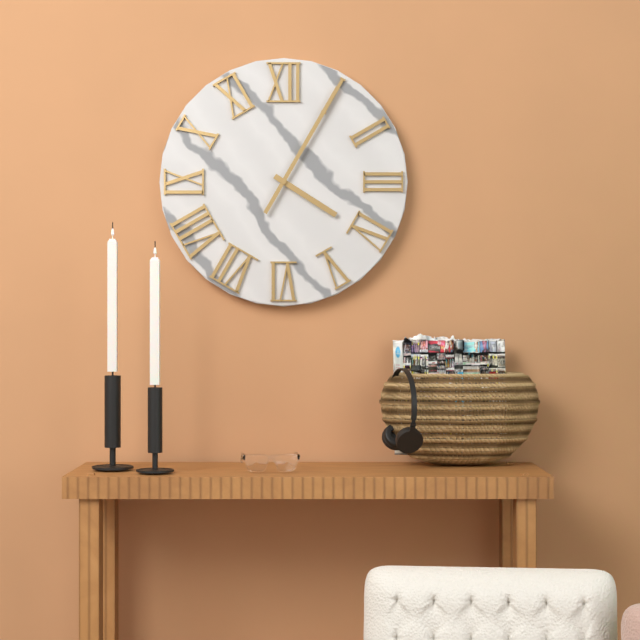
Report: 4:05
